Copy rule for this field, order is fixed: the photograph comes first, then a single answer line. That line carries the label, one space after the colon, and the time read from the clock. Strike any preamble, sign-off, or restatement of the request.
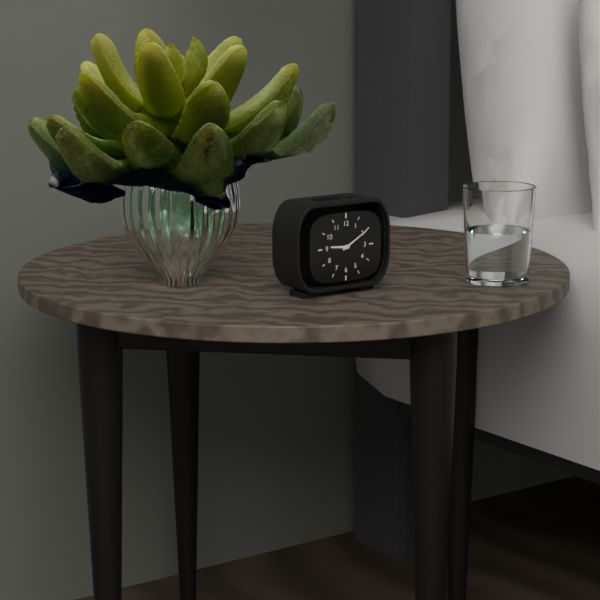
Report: 9:10
